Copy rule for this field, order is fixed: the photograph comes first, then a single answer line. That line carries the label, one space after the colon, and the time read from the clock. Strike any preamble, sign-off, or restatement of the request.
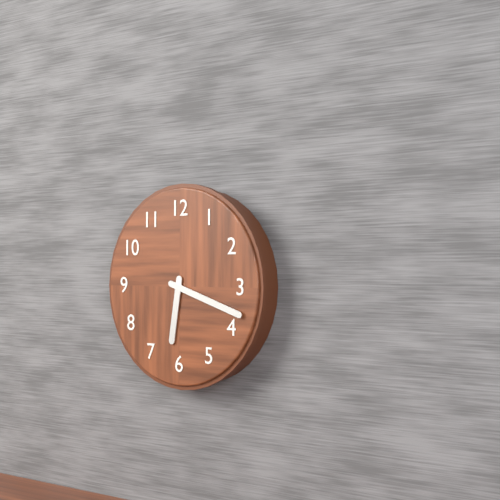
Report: 6:18
